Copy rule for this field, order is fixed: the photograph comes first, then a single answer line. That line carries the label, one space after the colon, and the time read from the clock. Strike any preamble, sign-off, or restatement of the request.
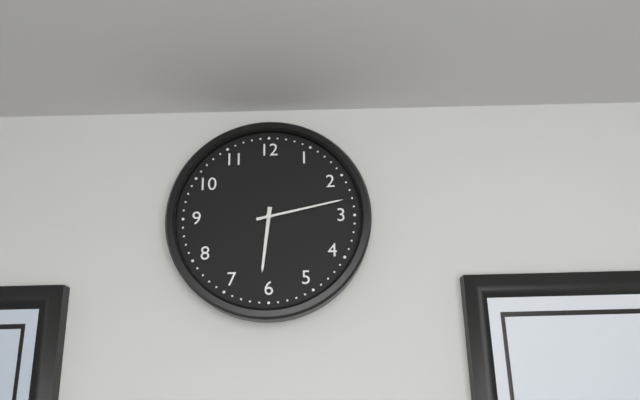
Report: 6:13
